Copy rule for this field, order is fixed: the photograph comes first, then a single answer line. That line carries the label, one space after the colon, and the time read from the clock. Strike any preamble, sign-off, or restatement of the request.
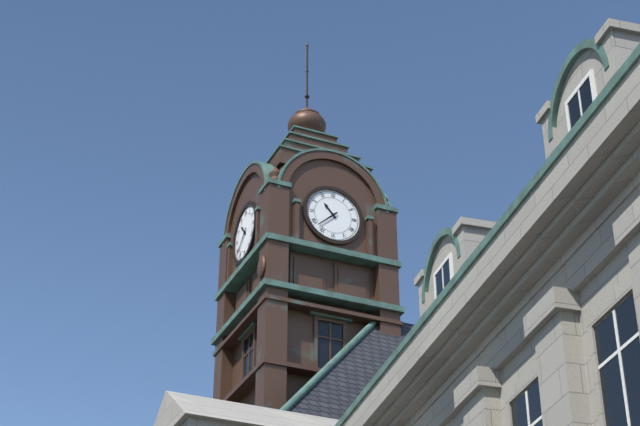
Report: 10:38
